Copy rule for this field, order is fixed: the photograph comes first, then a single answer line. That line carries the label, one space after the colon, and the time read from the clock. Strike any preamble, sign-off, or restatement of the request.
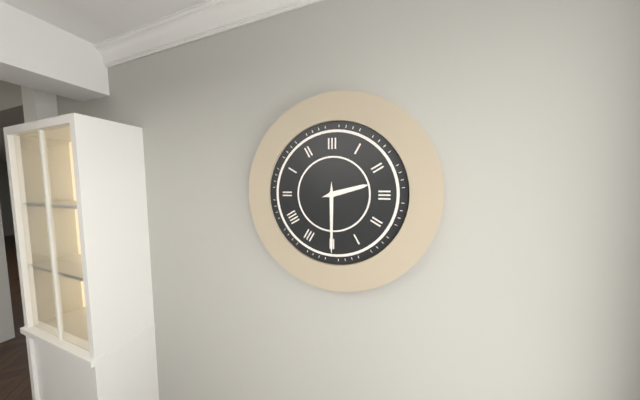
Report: 2:30
